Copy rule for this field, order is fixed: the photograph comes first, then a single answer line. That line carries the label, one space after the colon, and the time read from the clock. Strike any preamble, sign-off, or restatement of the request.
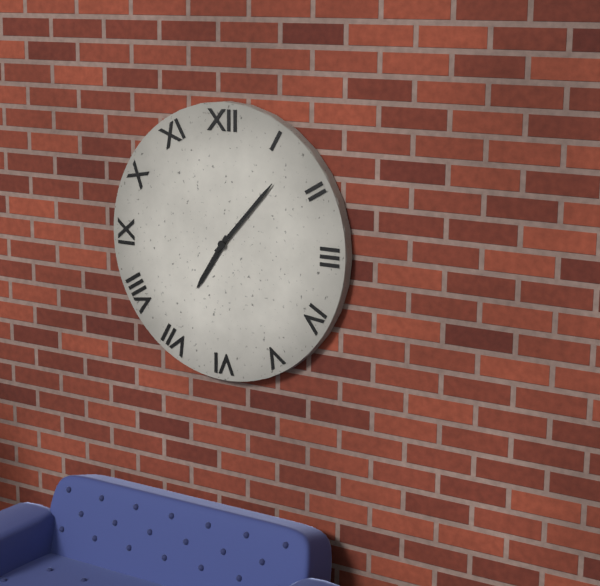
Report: 7:07
